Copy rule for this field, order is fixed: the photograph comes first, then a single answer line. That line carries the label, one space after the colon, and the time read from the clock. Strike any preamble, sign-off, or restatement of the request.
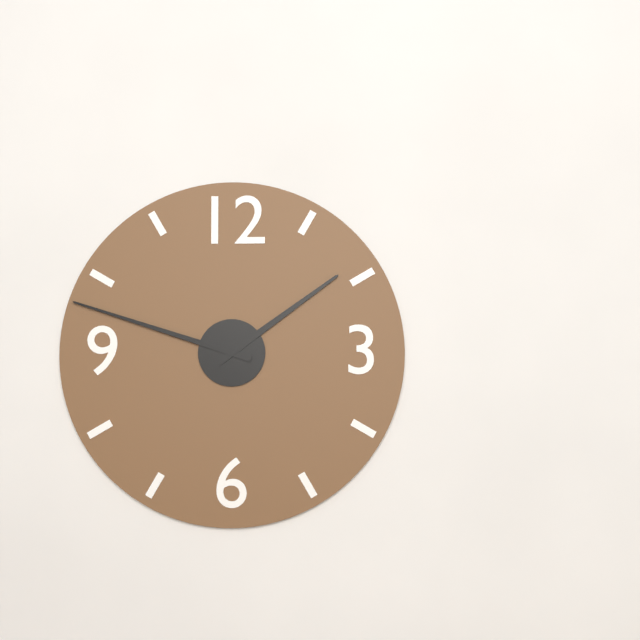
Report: 1:48
